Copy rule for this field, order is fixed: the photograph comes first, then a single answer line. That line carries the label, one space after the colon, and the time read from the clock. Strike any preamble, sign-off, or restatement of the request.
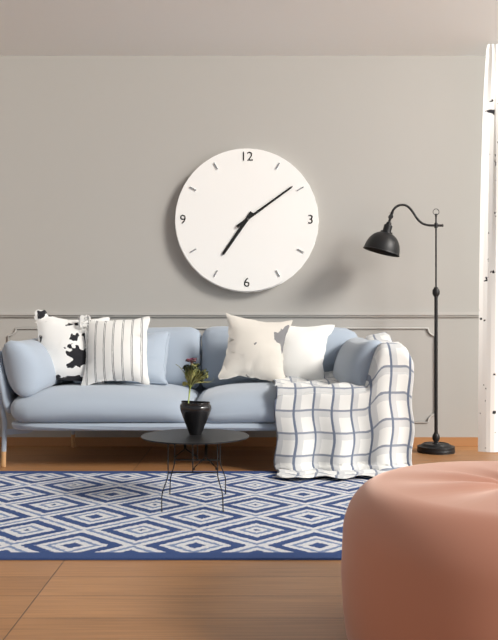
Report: 7:09
